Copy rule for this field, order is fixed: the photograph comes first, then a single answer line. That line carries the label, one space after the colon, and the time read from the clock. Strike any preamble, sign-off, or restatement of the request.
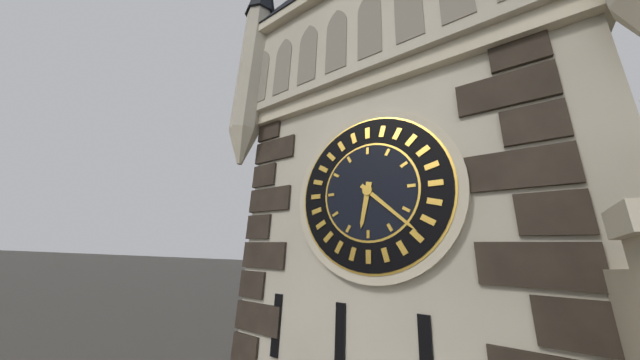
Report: 6:22
